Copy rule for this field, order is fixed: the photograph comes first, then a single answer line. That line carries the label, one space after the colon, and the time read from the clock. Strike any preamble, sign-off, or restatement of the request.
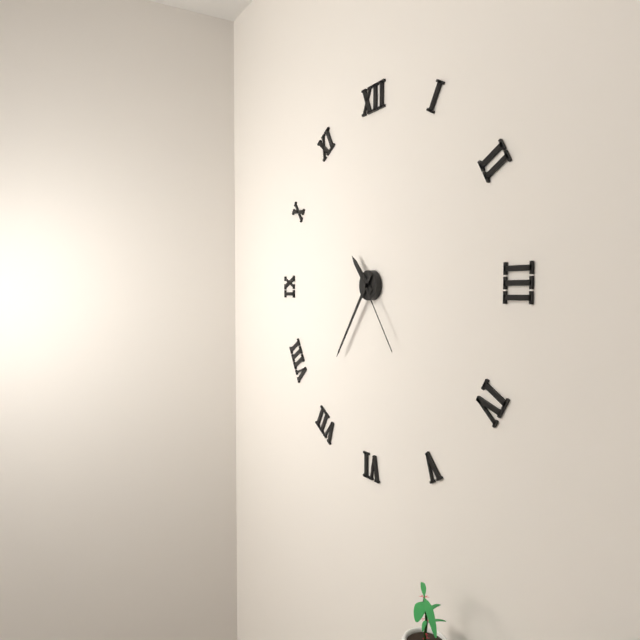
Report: 10:36:24
